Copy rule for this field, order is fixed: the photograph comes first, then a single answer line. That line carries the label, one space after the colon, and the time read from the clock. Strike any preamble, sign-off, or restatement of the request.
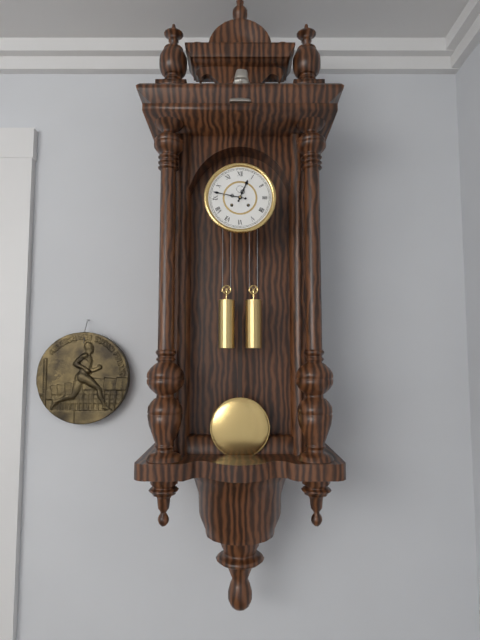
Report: 12:47
